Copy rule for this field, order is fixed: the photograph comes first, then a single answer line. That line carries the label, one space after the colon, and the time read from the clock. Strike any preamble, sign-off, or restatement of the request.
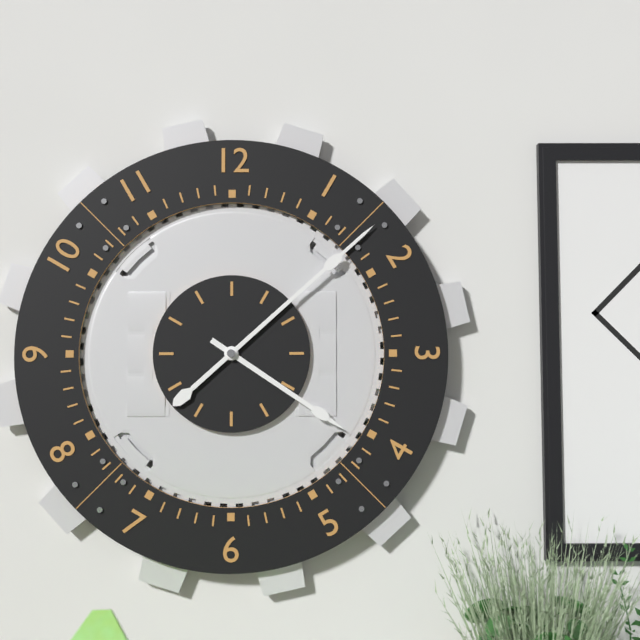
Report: 4:08
